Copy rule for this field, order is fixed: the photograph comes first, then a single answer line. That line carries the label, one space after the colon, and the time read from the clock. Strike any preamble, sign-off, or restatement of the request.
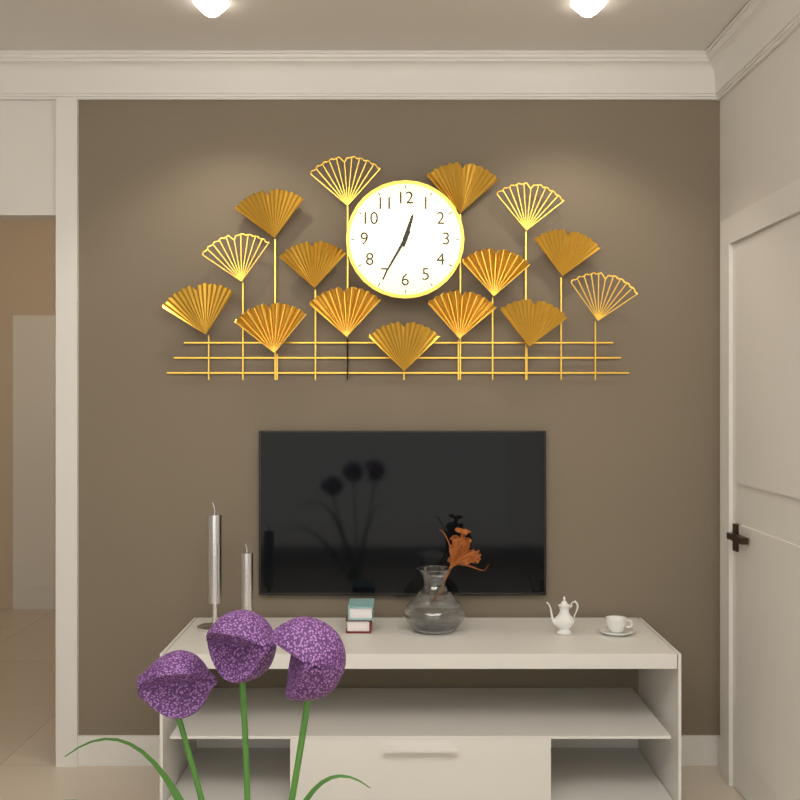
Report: 12:35
